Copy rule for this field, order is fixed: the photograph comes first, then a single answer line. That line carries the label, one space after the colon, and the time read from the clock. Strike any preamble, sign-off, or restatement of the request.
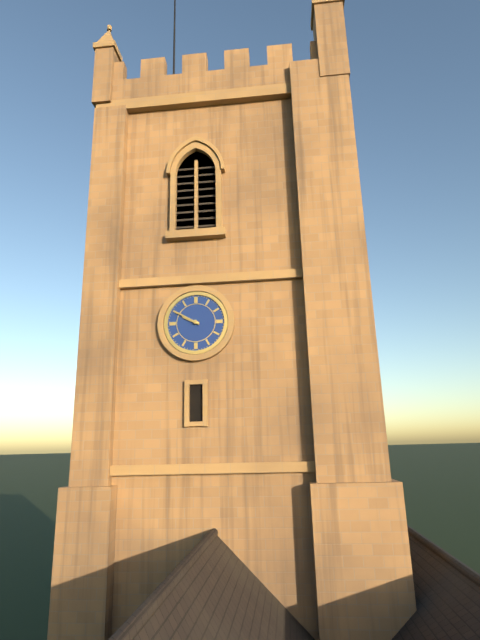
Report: 9:50
